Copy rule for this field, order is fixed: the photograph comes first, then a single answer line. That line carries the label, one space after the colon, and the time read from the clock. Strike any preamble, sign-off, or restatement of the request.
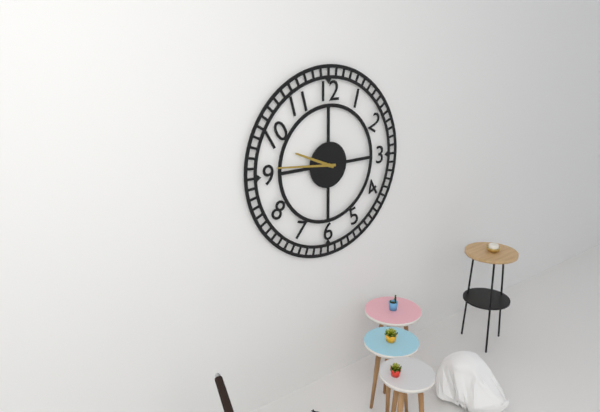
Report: 9:46
